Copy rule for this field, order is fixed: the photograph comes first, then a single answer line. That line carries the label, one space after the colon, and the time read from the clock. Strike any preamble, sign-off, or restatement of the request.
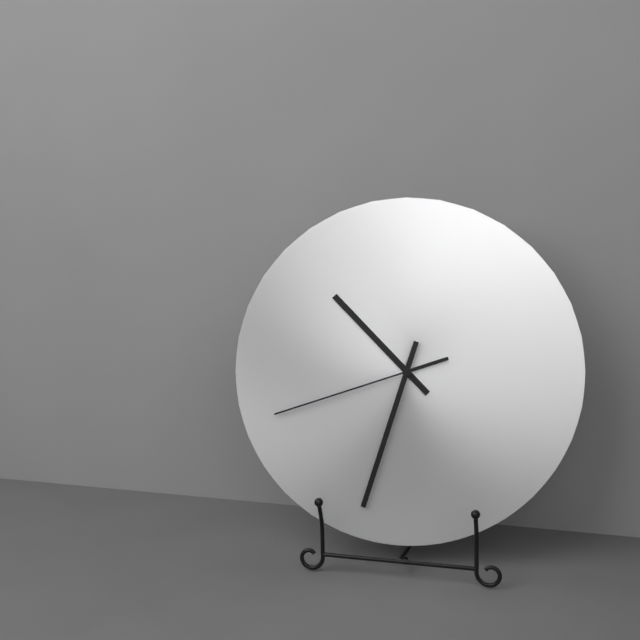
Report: 10:33:42
